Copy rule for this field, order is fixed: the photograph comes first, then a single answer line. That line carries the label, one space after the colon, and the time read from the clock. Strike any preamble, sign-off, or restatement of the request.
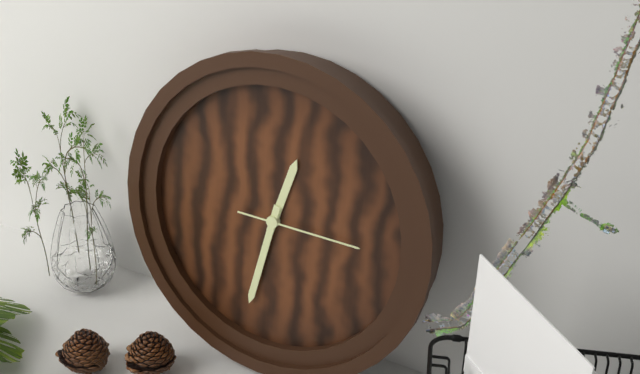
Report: 12:32:15
